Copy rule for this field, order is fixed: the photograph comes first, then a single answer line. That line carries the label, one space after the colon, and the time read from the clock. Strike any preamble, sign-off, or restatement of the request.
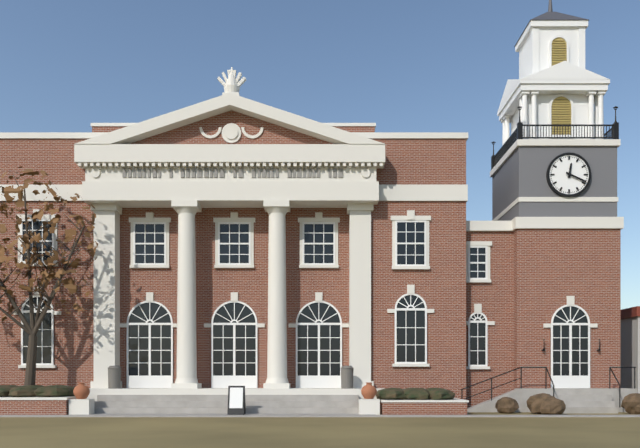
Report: 12:19
